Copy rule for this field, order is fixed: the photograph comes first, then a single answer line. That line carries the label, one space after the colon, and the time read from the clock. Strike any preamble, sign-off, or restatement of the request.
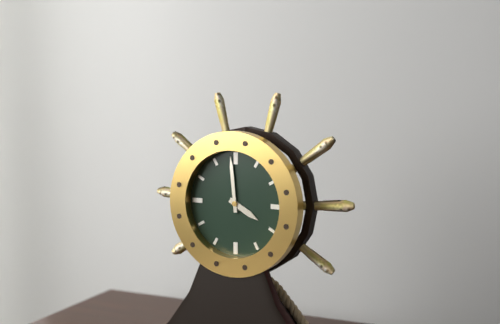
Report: 3:59
